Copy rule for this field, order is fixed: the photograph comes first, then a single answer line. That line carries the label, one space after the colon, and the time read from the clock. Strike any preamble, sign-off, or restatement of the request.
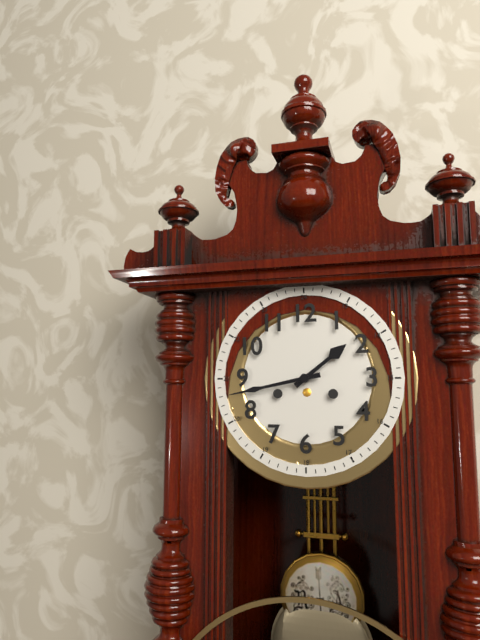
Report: 1:43
